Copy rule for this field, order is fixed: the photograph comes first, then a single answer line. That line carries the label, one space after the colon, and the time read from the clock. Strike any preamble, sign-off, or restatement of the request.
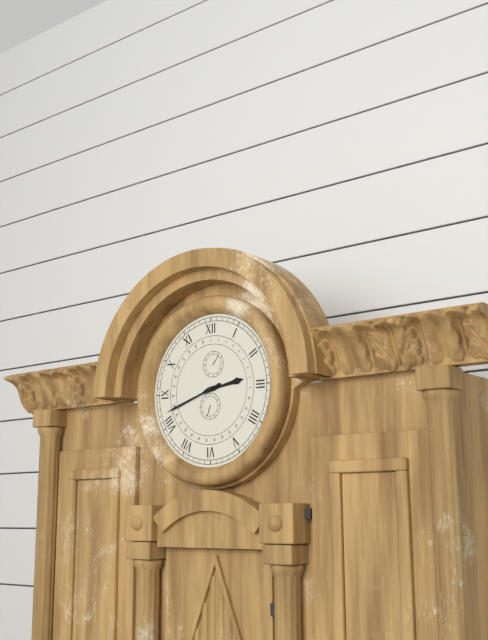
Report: 2:42
